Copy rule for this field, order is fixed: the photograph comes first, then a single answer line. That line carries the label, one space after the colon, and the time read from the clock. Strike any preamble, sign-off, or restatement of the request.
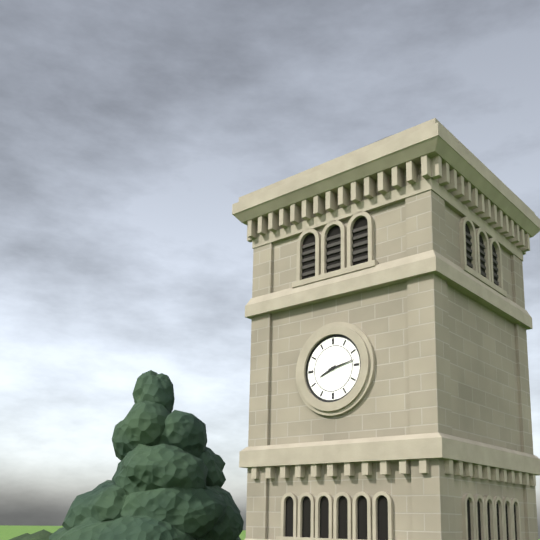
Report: 8:13
